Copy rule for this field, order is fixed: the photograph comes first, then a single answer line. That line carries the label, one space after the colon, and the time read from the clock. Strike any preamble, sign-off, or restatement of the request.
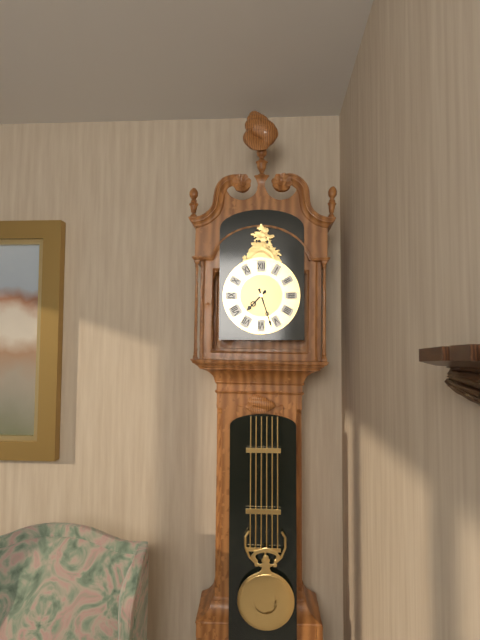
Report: 7:27
